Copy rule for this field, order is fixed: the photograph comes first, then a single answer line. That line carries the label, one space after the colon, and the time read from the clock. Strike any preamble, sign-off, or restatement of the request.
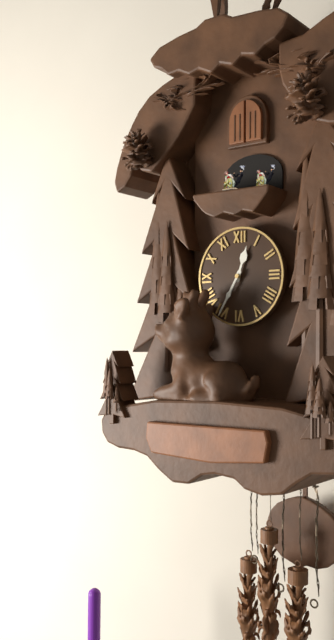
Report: 12:35
